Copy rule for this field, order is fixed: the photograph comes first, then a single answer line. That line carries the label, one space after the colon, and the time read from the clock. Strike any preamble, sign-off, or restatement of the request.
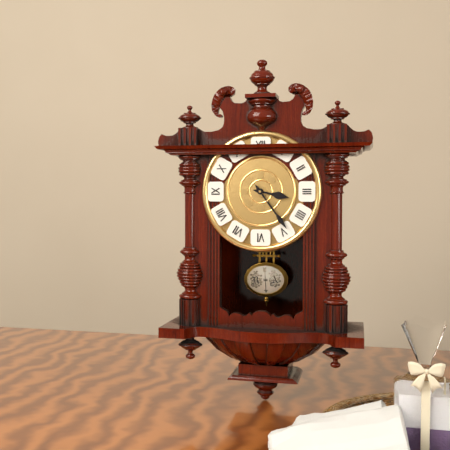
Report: 3:24
